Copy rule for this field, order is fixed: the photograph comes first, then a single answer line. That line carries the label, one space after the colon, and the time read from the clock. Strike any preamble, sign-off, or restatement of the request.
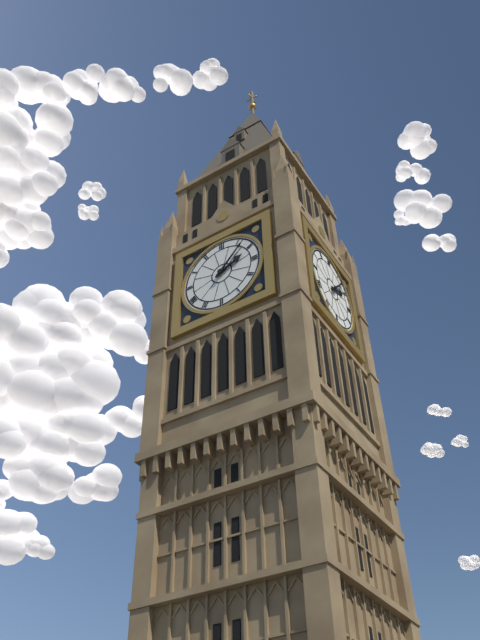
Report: 2:07
